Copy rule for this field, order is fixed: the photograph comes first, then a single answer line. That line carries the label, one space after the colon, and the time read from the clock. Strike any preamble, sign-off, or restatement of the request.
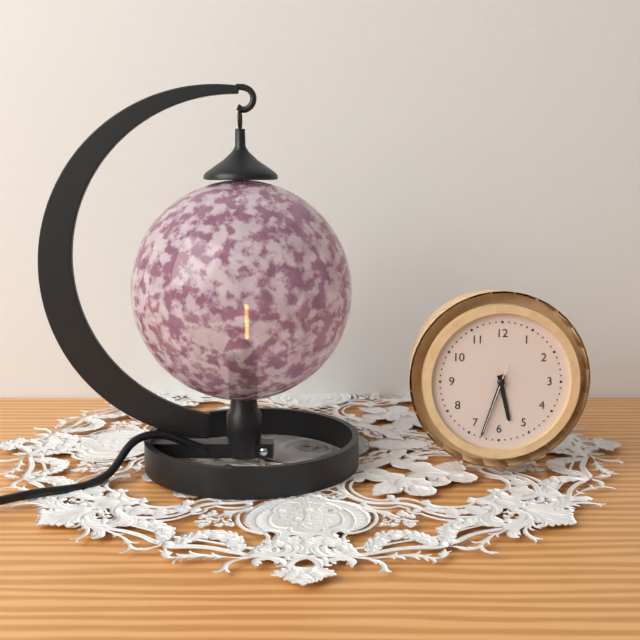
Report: 5:33:33
